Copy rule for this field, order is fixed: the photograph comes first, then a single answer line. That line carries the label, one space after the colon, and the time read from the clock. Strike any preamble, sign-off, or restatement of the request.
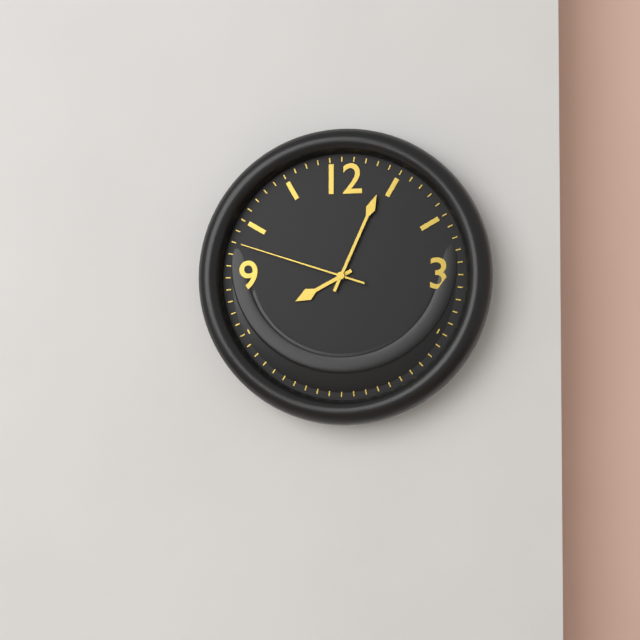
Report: 8:04:48
